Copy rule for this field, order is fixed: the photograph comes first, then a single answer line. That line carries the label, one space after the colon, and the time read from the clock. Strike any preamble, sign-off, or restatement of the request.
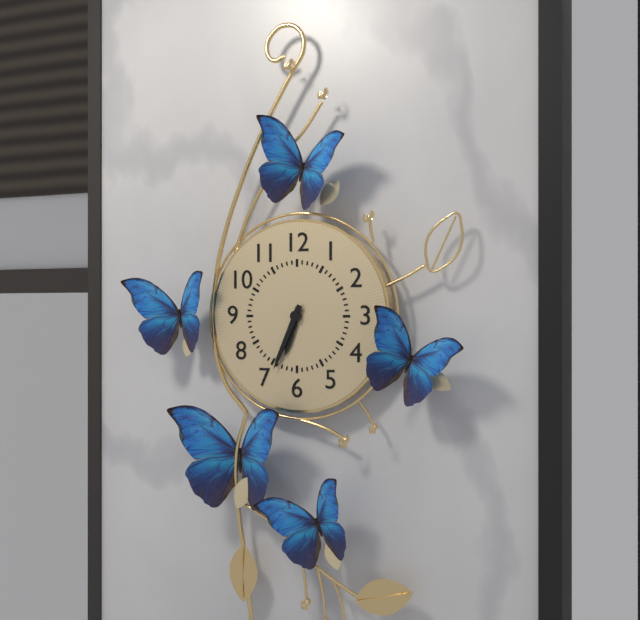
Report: 6:34
